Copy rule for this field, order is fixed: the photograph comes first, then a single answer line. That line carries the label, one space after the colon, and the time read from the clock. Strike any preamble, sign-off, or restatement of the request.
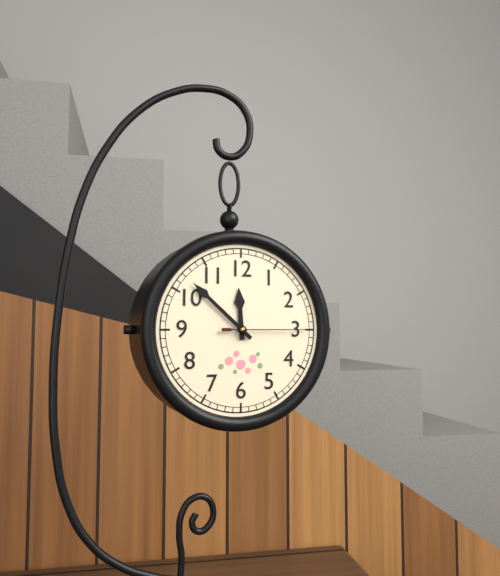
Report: 11:52:15
